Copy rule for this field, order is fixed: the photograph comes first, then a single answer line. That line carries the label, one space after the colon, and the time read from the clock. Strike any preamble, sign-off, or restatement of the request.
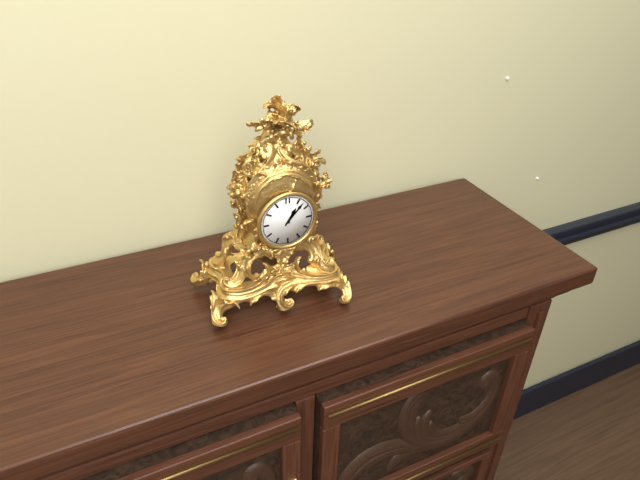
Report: 1:07
